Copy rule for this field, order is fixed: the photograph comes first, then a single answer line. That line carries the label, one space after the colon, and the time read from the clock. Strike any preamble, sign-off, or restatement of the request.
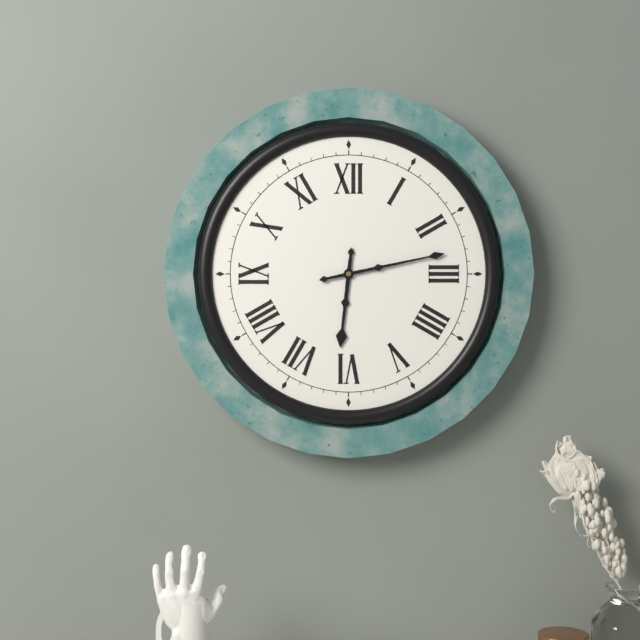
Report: 6:13
